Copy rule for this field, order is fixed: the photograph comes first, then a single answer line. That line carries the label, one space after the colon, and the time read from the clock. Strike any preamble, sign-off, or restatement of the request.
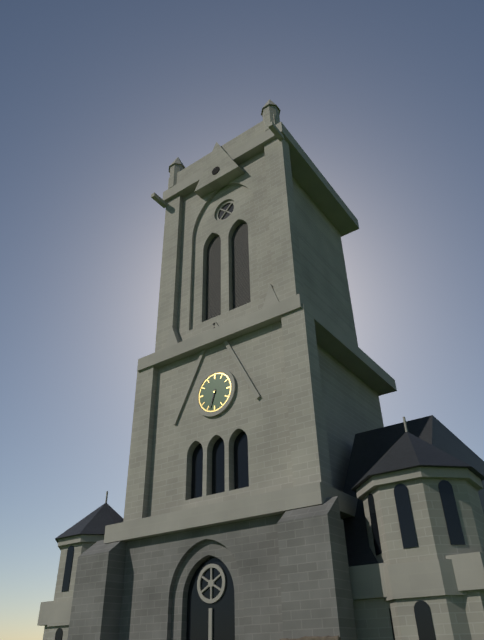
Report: 6:33
